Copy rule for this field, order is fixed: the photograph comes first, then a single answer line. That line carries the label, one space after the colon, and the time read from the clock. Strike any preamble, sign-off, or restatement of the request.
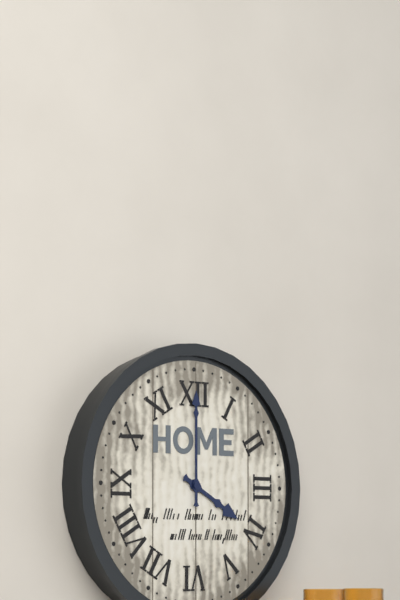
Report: 4:00
